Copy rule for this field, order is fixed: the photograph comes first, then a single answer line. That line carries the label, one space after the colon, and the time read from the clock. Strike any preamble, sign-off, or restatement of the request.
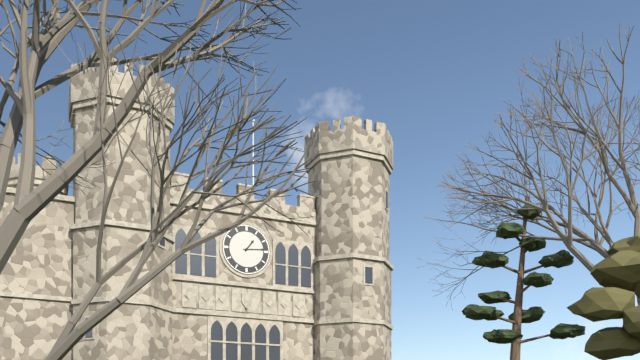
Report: 1:14
